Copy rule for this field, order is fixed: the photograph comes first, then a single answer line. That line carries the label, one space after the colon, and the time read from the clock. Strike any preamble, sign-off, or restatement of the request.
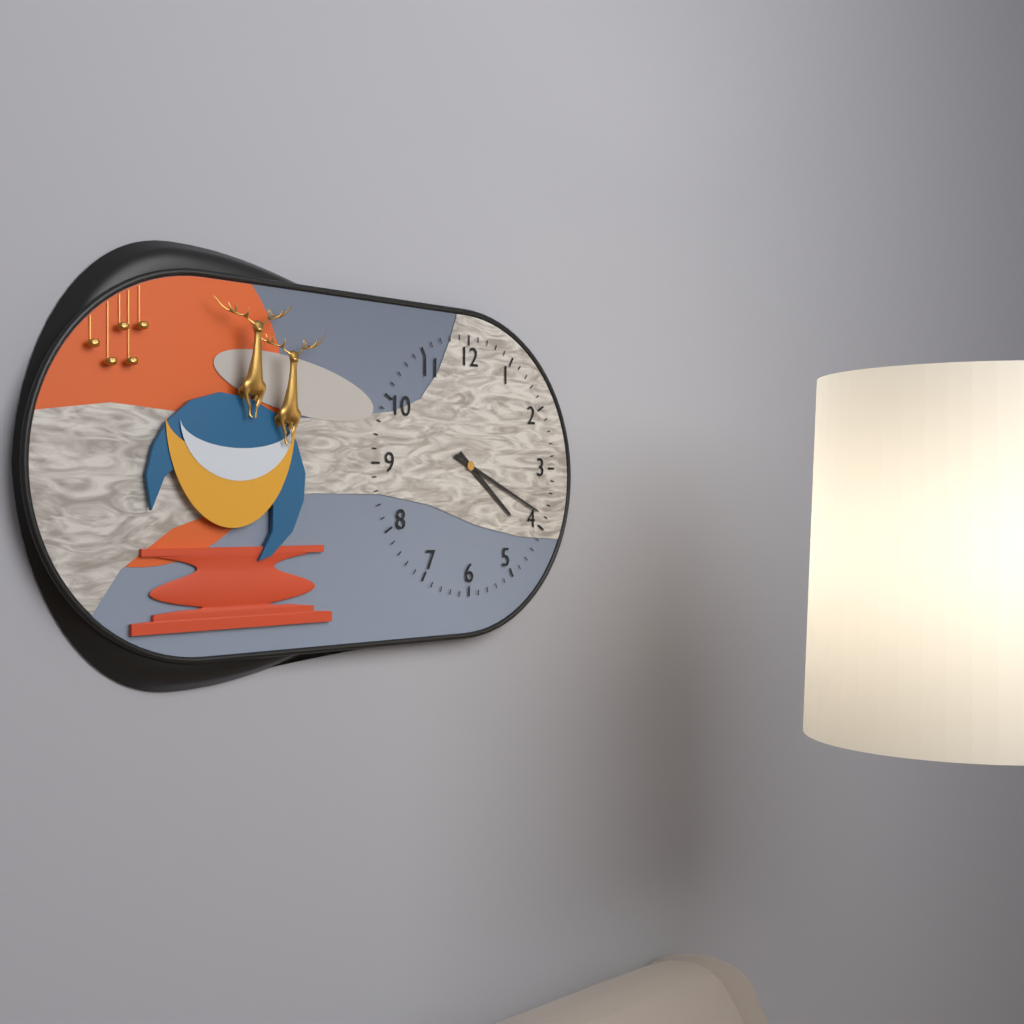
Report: 4:19
